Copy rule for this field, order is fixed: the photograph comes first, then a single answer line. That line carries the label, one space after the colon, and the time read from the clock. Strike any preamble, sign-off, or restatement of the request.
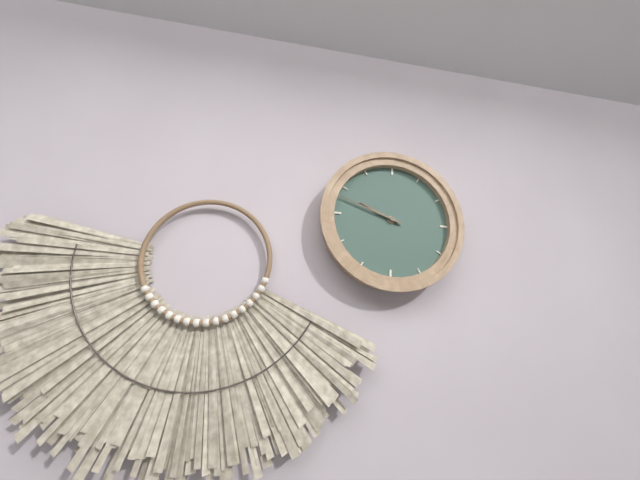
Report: 9:48
